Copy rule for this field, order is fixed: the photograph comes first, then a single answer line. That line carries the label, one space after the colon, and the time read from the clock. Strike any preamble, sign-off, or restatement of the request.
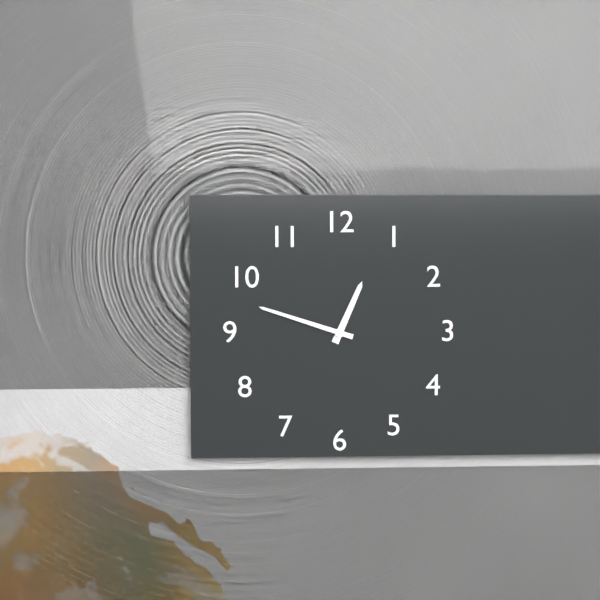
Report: 12:48
